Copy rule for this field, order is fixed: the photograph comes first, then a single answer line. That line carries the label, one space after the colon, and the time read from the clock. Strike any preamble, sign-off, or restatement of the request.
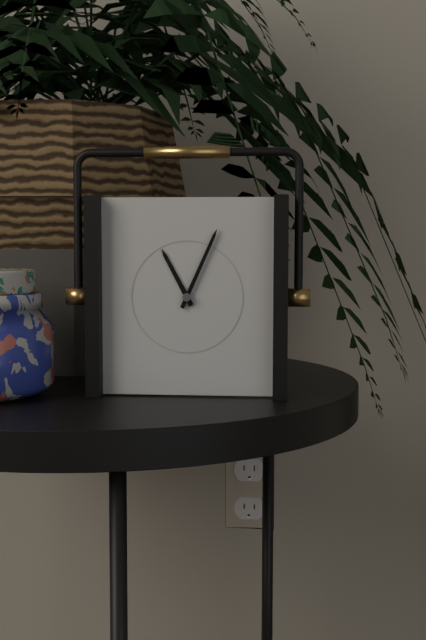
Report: 11:04
